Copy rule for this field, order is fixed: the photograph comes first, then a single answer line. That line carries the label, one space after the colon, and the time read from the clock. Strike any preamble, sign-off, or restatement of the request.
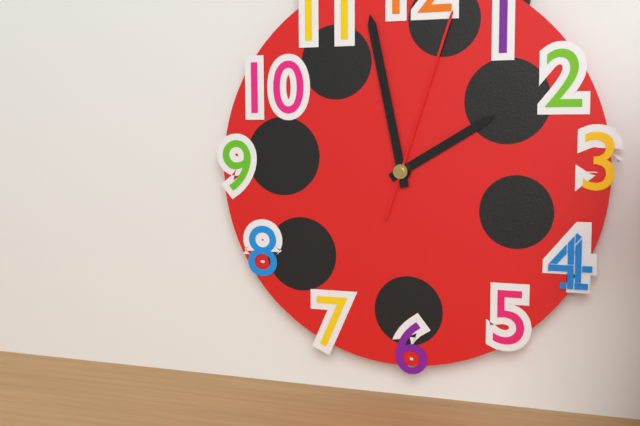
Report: 1:58:03
